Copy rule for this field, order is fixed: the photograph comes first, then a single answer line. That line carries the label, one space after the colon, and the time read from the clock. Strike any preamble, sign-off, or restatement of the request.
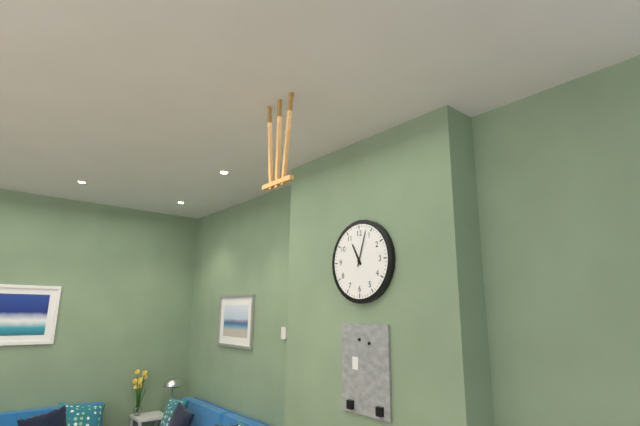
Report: 11:03
